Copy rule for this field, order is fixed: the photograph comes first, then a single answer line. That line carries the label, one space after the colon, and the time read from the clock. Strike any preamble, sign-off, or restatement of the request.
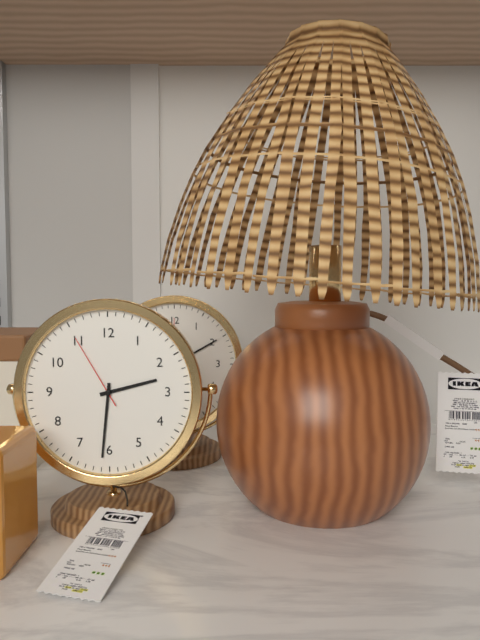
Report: 2:31:55
